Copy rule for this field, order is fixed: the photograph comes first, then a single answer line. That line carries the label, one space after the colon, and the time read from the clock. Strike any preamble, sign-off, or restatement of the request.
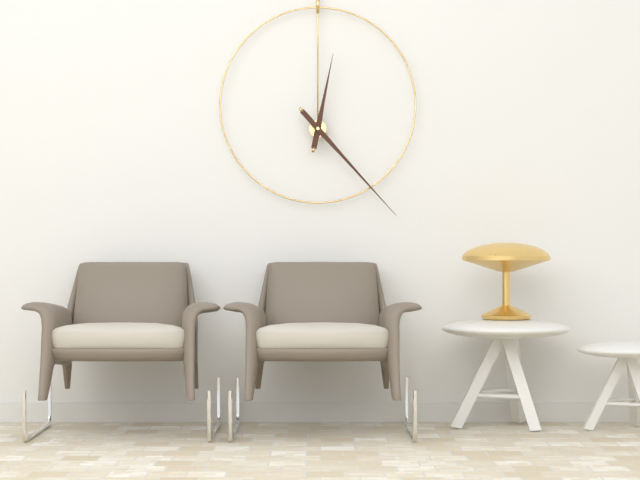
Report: 12:23
